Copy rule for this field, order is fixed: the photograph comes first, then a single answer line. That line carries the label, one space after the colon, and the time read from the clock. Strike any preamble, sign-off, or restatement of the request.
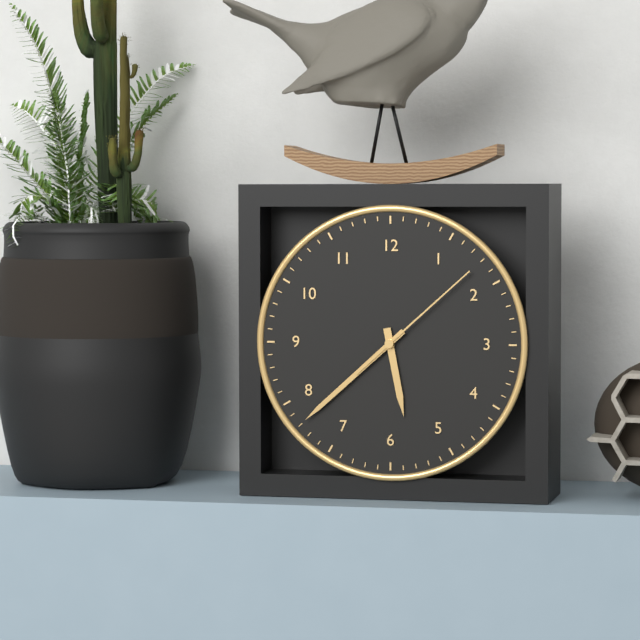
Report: 5:38:08
